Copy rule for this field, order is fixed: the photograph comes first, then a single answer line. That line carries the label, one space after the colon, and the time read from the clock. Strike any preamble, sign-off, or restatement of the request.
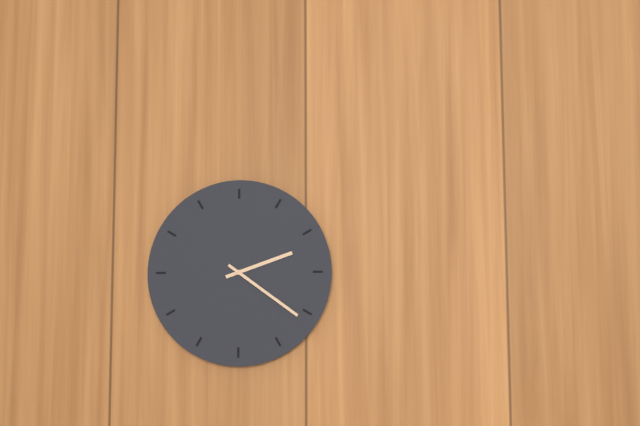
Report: 2:21
